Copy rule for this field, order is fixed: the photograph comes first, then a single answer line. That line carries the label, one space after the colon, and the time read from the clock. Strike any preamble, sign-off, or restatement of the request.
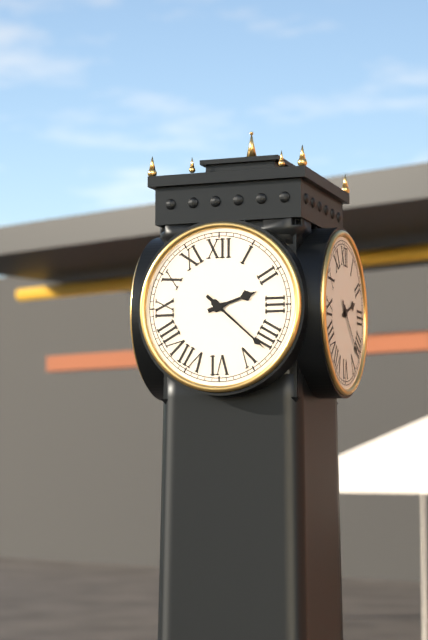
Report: 2:22
